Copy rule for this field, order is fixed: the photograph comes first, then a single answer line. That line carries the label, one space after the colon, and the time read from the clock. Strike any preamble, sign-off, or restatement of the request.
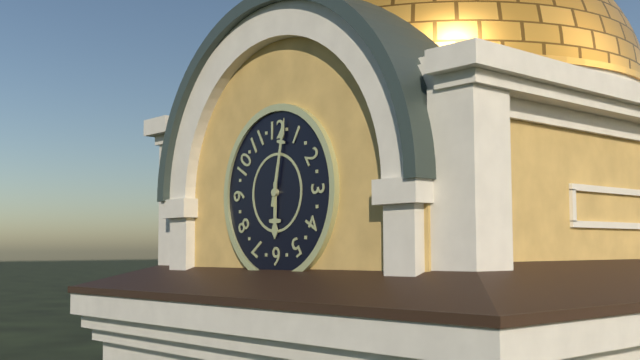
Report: 6:02
